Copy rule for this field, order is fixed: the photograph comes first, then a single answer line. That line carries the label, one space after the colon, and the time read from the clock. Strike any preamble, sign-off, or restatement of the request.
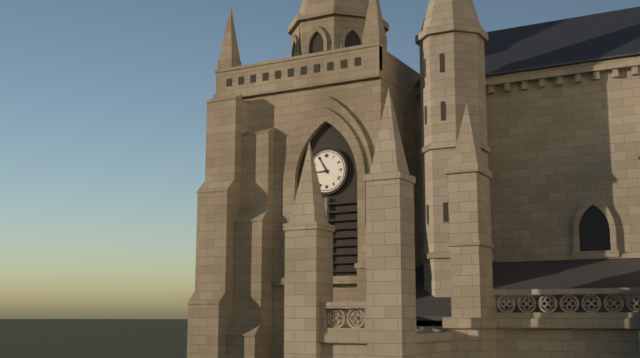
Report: 8:55
